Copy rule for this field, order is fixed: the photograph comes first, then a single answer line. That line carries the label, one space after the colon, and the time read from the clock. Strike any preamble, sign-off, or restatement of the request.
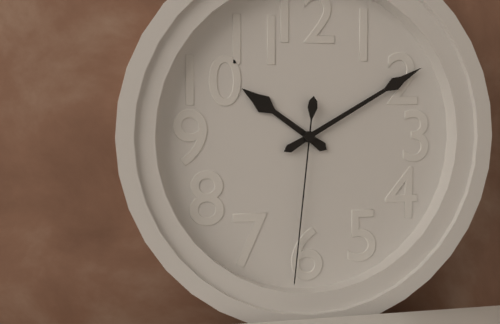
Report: 10:10:31
